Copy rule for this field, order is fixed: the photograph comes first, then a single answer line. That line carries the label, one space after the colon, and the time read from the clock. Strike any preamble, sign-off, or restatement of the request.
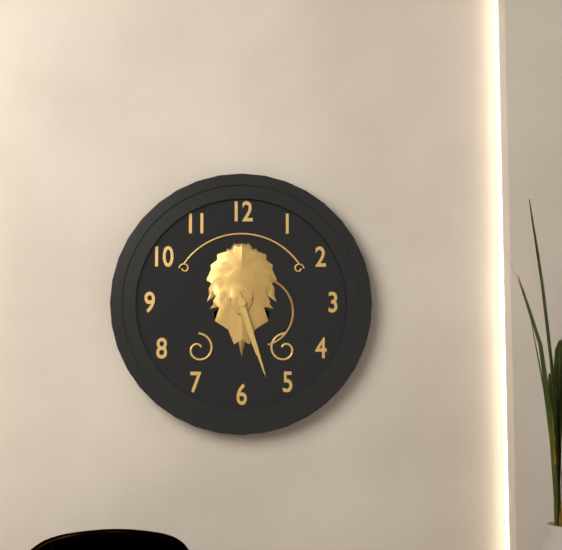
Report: 5:27
